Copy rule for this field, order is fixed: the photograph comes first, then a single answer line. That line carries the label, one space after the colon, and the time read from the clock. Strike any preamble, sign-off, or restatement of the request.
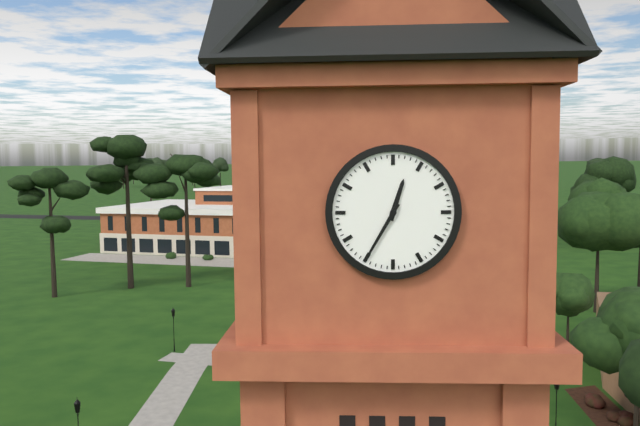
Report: 12:35
